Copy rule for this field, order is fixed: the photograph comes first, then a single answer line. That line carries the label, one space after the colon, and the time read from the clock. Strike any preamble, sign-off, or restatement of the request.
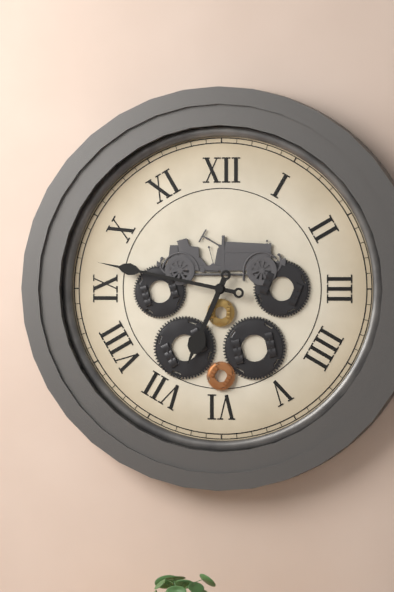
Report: 6:47
